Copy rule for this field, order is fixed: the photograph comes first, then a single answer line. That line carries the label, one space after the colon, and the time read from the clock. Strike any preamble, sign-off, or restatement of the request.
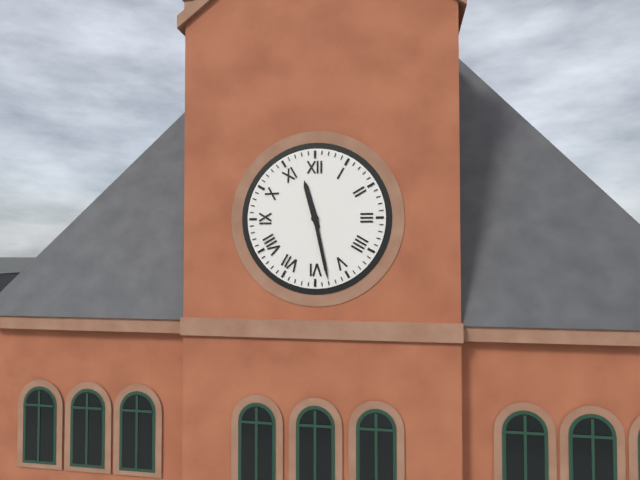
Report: 11:28
